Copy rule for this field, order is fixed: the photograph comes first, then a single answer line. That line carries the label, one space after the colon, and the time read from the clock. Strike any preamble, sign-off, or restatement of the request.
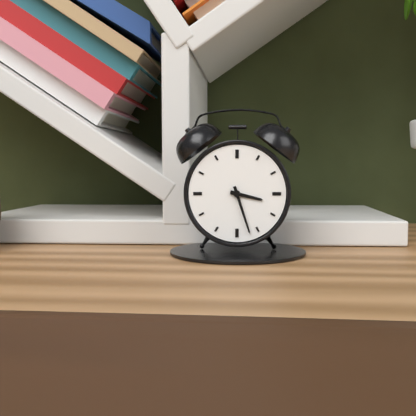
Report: 3:27
